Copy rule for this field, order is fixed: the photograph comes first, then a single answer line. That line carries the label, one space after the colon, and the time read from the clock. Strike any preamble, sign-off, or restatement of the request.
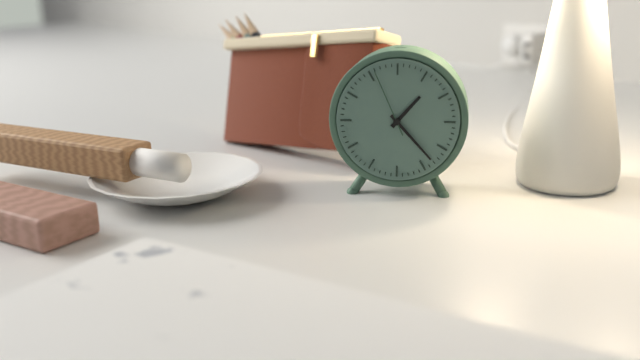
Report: 1:23:56
